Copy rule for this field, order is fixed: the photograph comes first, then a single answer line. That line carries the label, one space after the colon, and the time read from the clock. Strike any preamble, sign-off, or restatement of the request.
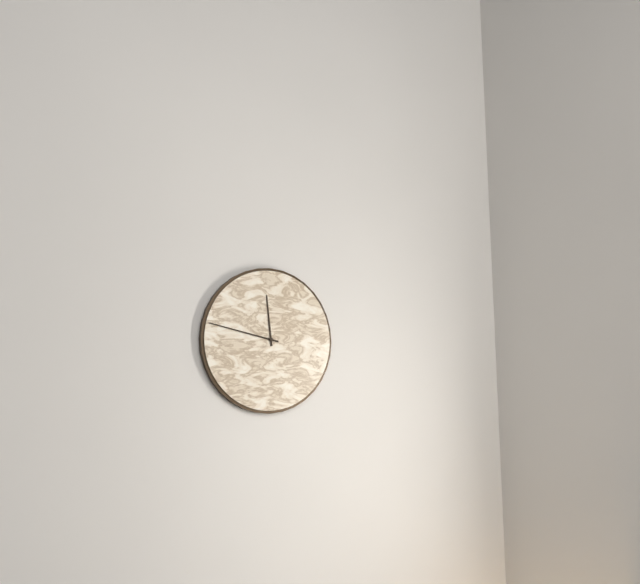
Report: 11:47
